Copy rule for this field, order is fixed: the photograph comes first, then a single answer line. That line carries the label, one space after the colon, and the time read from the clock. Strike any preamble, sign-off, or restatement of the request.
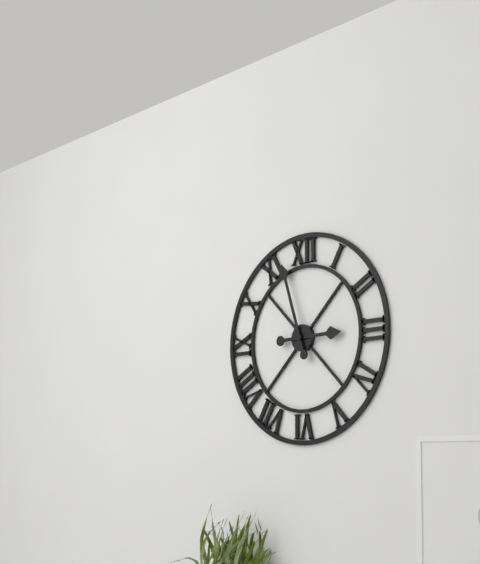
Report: 2:57
